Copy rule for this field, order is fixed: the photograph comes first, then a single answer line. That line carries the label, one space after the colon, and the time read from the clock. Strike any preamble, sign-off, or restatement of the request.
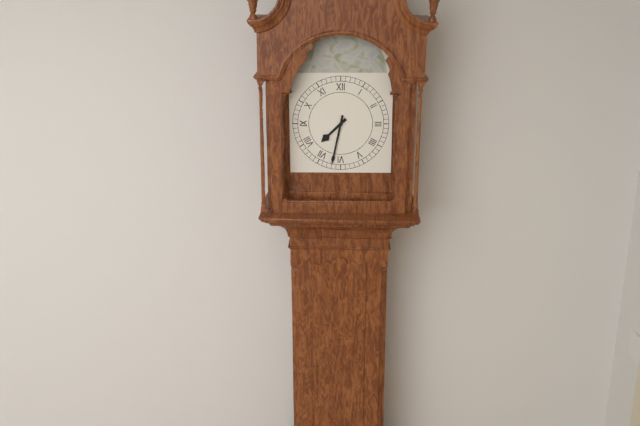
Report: 7:32
